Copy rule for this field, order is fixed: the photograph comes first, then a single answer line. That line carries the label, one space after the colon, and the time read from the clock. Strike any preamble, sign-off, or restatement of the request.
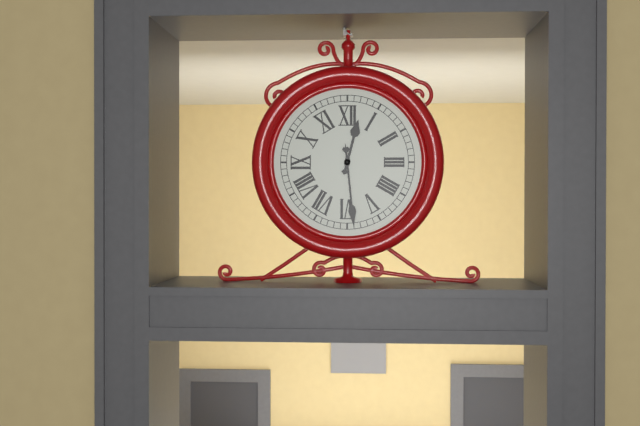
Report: 12:29
